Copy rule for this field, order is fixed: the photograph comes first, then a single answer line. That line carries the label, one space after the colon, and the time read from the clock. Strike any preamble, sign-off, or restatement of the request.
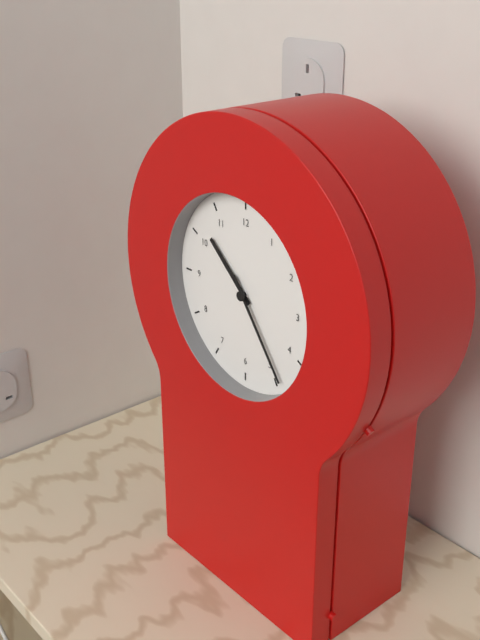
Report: 10:24
